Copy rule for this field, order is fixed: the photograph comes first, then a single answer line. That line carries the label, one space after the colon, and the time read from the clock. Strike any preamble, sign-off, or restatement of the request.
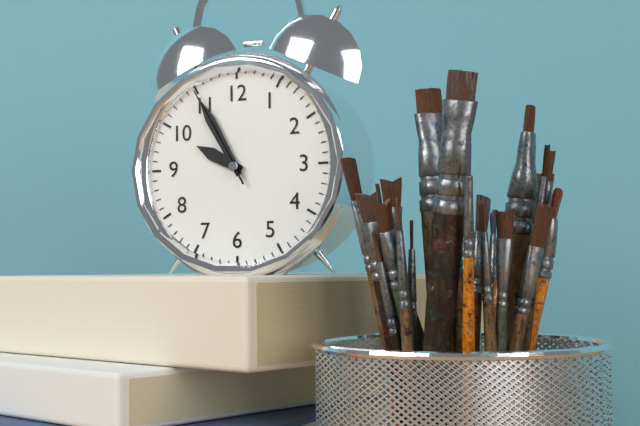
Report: 9:55:55
